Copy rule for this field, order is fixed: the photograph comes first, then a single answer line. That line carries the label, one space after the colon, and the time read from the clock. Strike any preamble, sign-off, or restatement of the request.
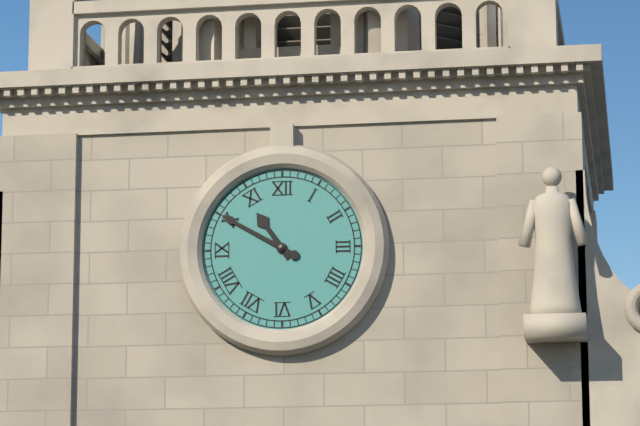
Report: 10:50
